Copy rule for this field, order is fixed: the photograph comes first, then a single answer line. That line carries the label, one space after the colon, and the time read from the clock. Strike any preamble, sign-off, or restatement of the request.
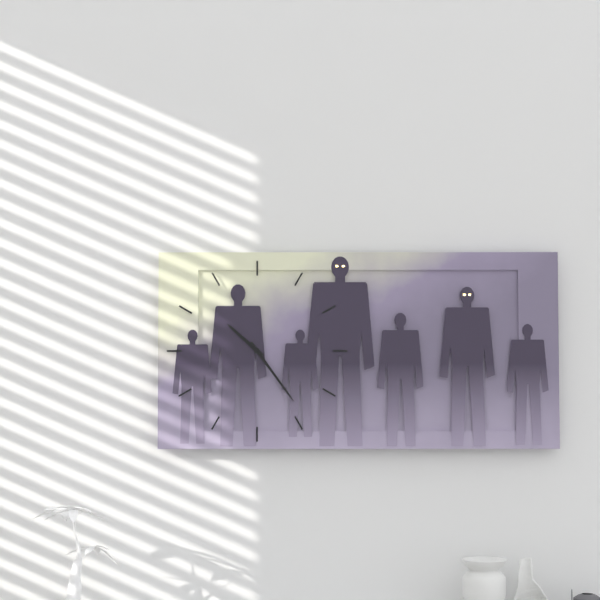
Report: 10:24
